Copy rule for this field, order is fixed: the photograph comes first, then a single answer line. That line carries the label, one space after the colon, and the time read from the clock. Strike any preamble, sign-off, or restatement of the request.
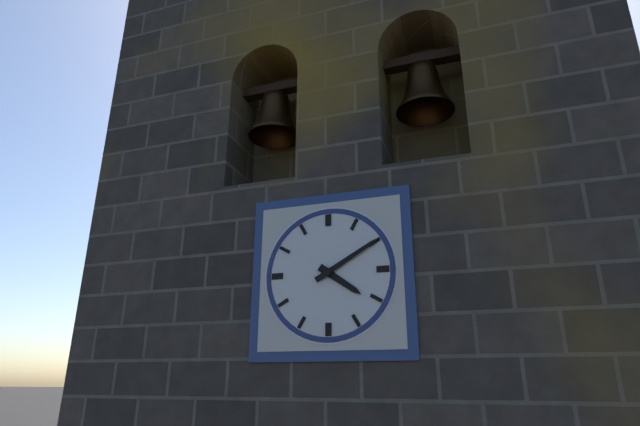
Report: 4:10
